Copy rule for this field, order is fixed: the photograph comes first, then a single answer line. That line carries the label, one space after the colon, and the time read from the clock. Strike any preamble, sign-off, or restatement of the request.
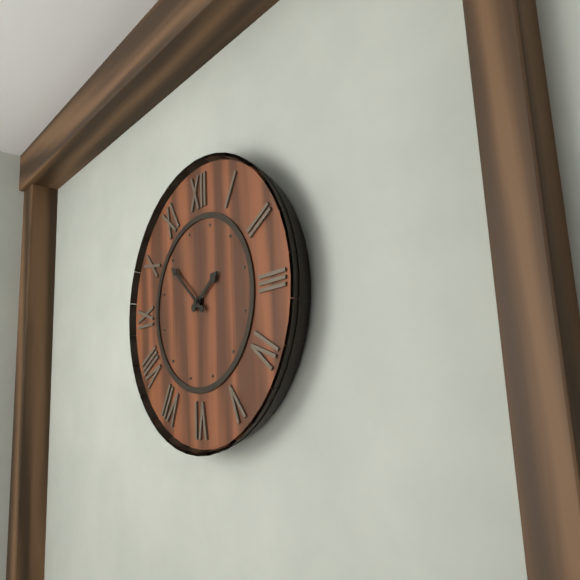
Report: 1:52
